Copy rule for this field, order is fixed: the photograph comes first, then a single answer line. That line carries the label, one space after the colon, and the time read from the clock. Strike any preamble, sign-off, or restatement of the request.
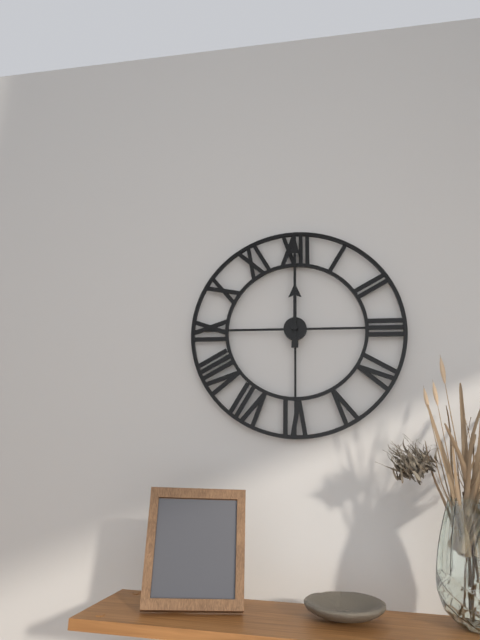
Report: 12:00
